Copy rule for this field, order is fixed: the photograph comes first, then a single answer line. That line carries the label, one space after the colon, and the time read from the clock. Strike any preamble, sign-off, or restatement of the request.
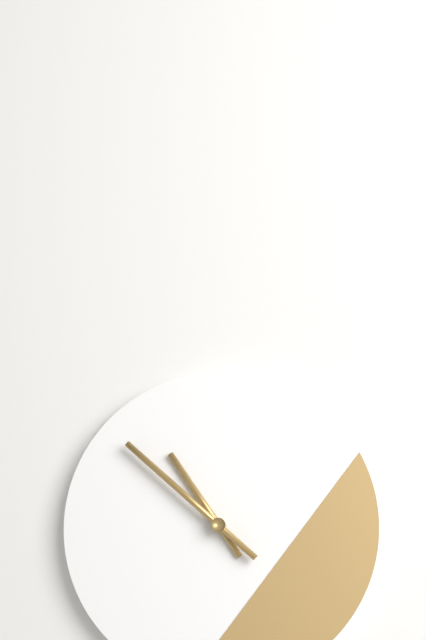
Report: 10:52
